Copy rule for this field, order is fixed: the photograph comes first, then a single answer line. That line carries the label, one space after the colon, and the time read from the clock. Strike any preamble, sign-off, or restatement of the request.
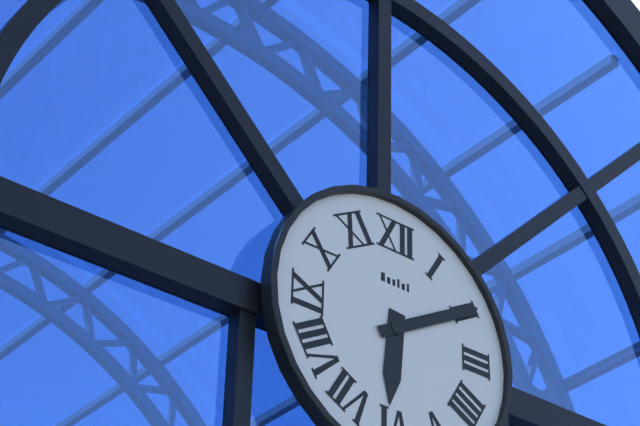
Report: 6:10
